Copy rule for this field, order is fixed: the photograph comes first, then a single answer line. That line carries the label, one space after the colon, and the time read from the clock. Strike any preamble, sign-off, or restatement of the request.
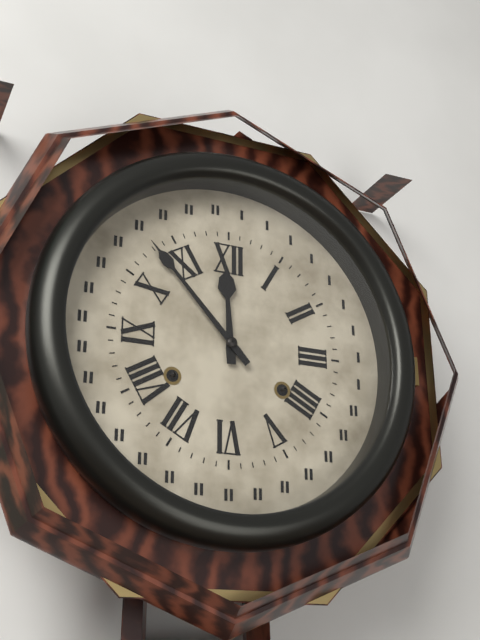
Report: 11:53
